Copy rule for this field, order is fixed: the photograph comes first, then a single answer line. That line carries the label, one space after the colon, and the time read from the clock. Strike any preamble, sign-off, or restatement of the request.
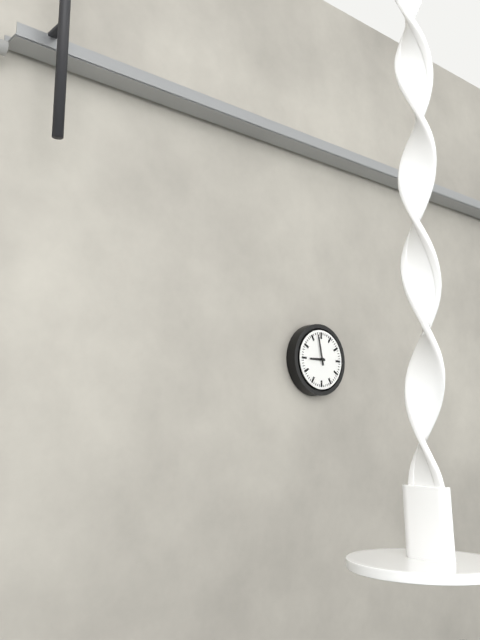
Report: 8:58
